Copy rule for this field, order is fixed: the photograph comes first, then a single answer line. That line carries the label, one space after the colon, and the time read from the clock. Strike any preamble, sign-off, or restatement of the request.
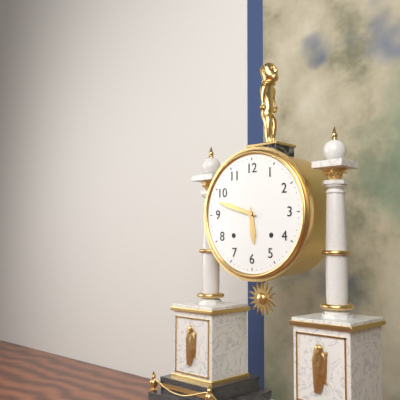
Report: 5:48
